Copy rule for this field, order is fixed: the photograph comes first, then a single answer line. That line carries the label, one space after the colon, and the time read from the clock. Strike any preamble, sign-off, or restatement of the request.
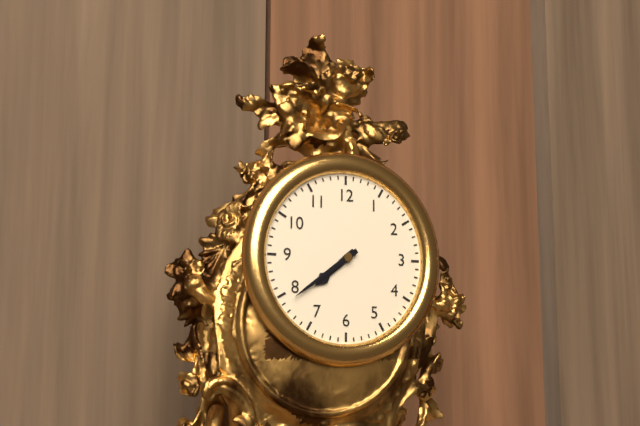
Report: 7:39
